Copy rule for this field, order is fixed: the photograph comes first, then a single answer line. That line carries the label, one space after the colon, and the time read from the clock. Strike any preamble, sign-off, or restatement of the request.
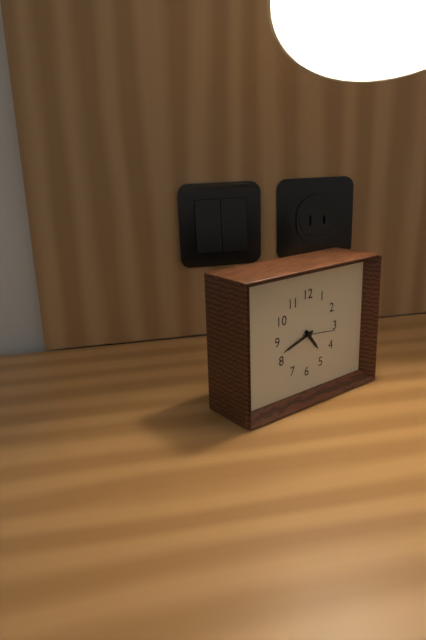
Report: 4:42:16
